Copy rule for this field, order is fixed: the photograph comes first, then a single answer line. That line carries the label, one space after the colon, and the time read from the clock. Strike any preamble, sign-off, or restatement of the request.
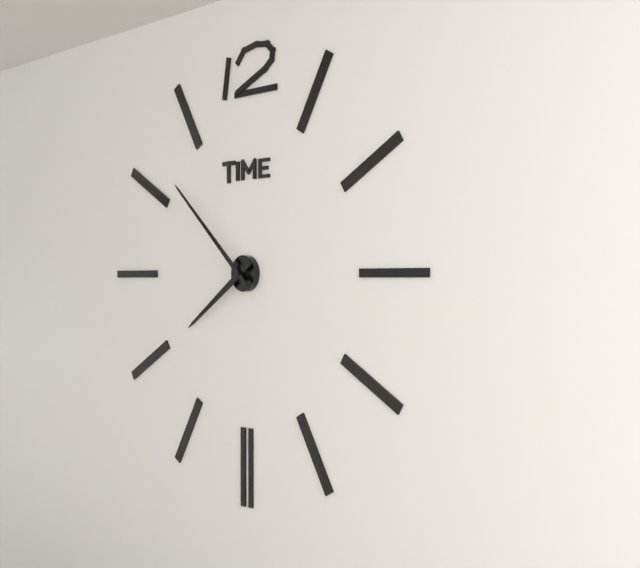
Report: 7:52
